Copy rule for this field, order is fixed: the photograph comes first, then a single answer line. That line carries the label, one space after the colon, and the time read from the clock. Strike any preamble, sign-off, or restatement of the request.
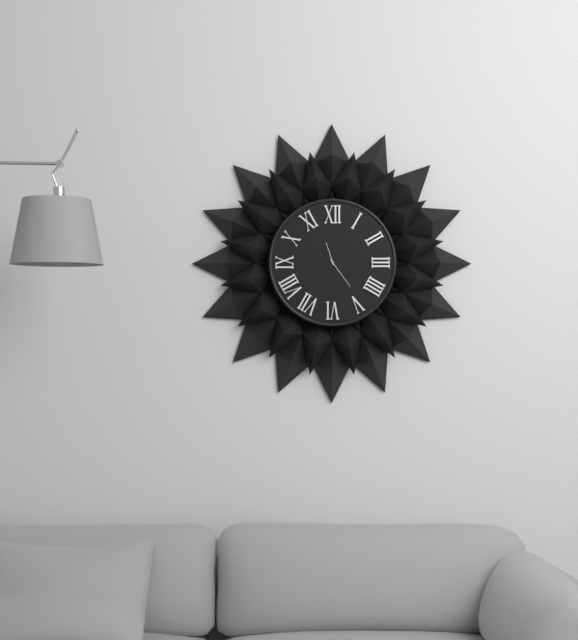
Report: 11:24
